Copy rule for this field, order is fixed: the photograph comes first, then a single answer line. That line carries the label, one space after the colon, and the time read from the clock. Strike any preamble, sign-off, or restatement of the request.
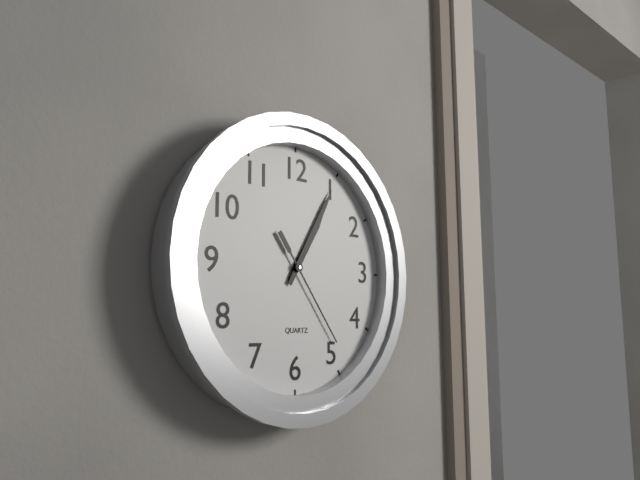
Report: 1:05:24
